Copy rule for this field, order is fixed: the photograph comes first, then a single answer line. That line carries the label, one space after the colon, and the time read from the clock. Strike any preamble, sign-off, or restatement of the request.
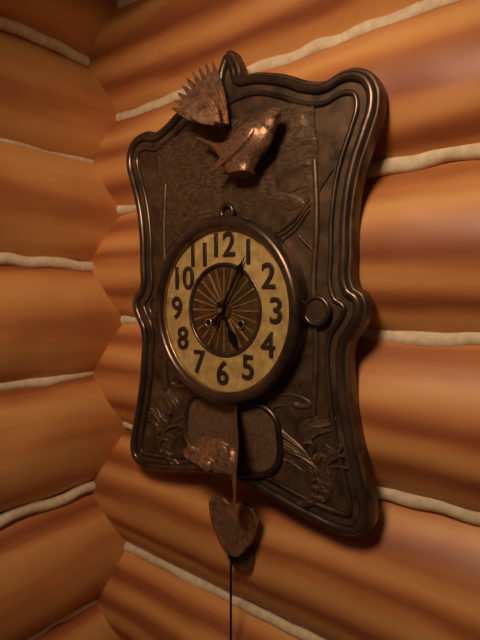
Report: 5:05
